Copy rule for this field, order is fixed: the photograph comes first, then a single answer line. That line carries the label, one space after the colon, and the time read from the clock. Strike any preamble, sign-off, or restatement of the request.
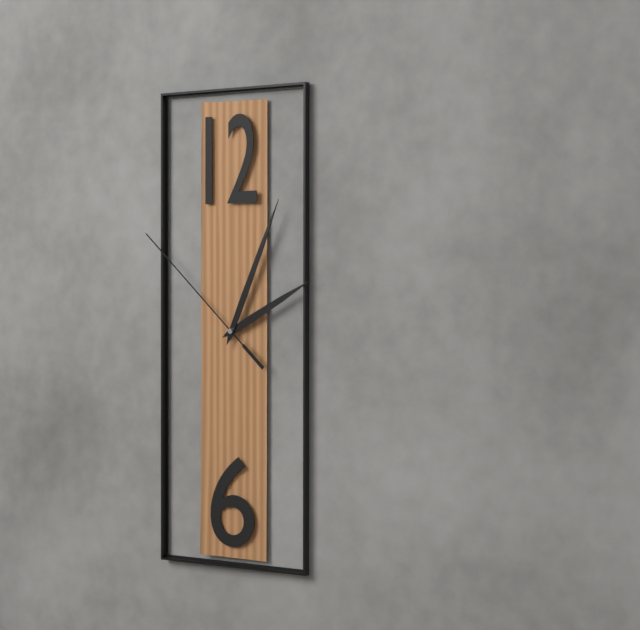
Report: 2:04:52
